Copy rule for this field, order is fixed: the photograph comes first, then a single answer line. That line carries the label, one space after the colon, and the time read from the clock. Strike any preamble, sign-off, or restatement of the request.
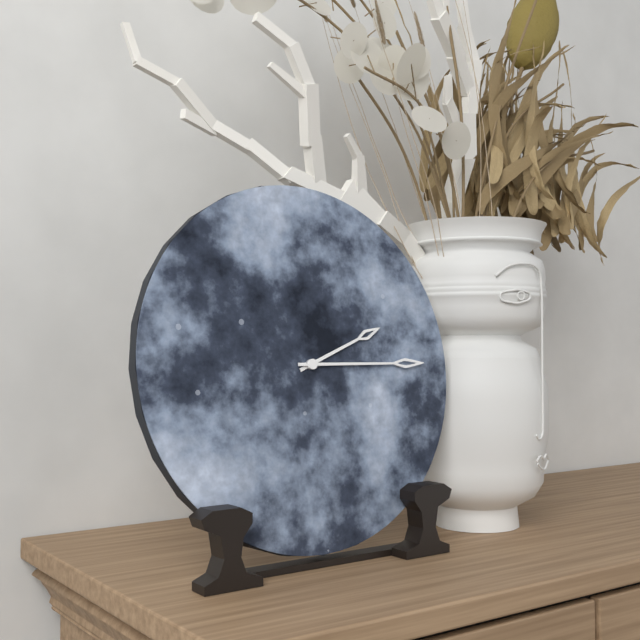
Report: 2:15
